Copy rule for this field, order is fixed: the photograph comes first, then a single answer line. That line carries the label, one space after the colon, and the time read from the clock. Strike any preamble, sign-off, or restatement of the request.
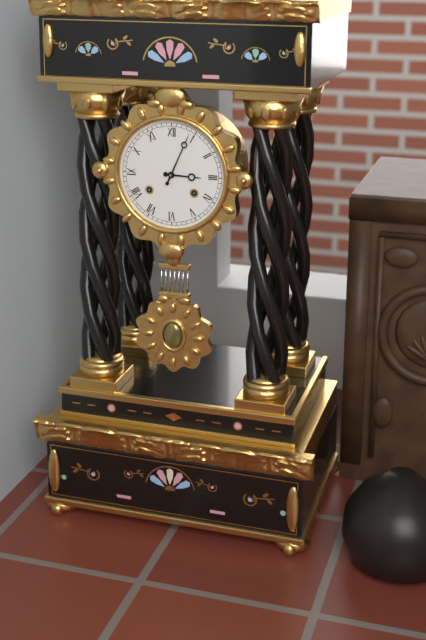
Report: 3:04
